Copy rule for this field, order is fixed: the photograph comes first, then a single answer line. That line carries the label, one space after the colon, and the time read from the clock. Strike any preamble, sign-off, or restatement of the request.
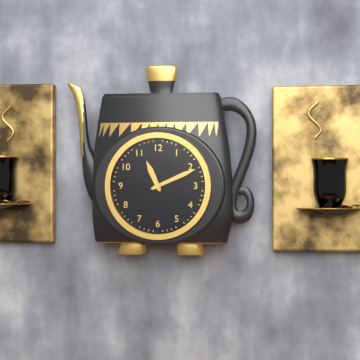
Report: 11:11
